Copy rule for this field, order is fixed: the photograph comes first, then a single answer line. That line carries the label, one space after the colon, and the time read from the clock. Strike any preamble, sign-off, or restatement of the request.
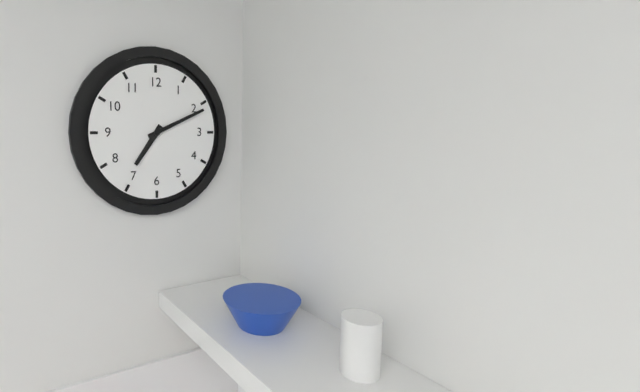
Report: 7:11
